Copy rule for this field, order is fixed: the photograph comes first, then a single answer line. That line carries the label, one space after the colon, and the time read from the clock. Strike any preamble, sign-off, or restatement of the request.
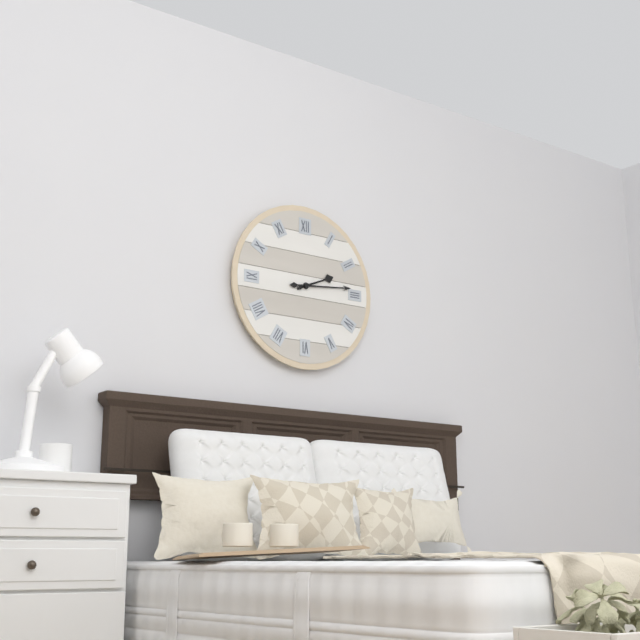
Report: 2:14
